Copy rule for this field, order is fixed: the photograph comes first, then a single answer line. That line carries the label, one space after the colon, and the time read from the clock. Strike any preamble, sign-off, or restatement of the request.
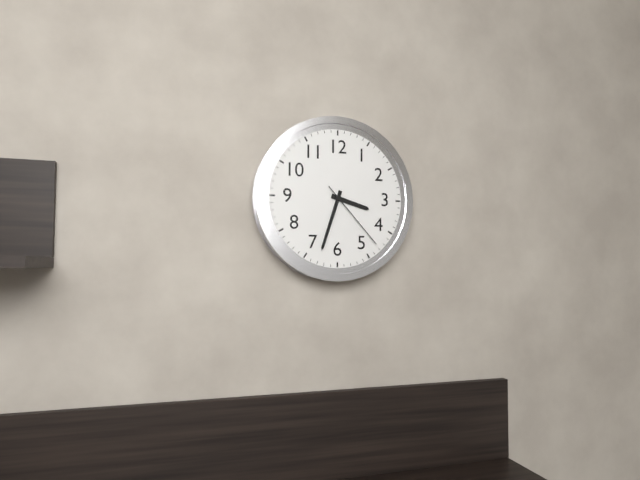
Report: 3:33:23
